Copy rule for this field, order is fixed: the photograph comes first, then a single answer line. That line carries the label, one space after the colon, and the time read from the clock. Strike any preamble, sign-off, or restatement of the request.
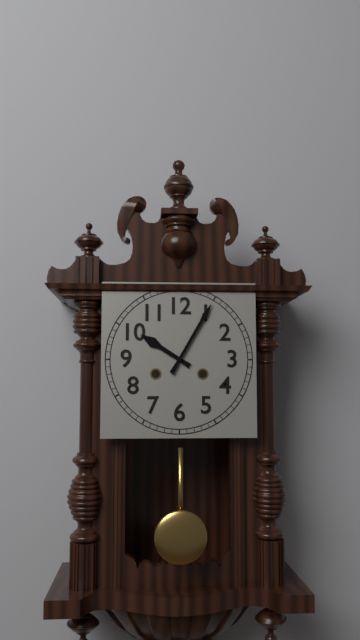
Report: 10:05
